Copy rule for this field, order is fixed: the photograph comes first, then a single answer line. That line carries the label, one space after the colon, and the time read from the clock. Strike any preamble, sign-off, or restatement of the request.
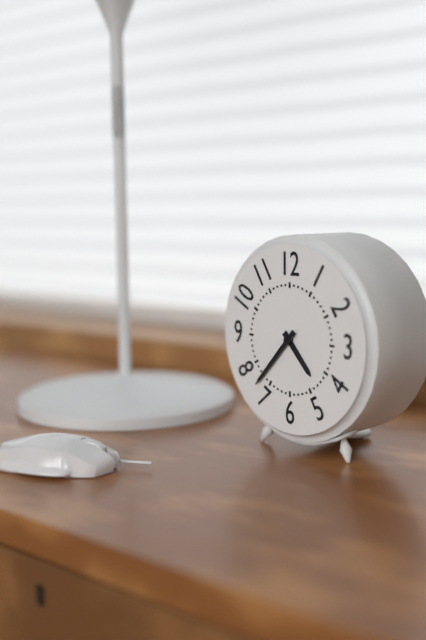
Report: 4:37
